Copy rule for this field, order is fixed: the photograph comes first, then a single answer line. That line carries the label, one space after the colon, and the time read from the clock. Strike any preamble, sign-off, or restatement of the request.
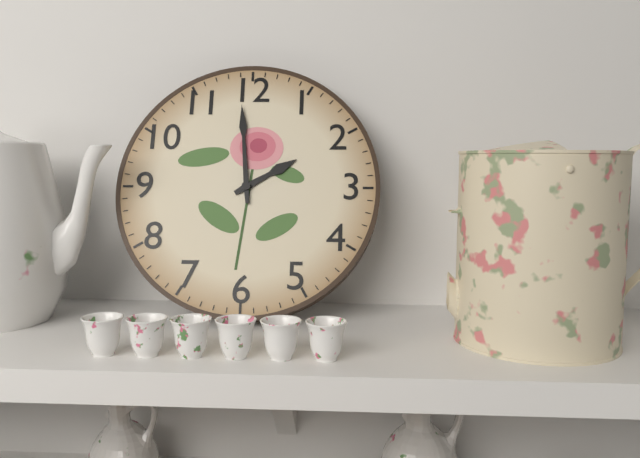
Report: 1:59
